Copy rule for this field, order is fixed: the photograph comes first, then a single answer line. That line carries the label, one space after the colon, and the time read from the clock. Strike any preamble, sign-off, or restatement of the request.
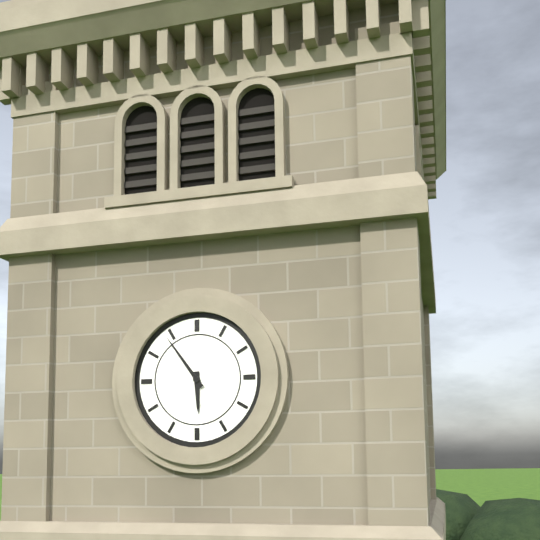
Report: 5:54
